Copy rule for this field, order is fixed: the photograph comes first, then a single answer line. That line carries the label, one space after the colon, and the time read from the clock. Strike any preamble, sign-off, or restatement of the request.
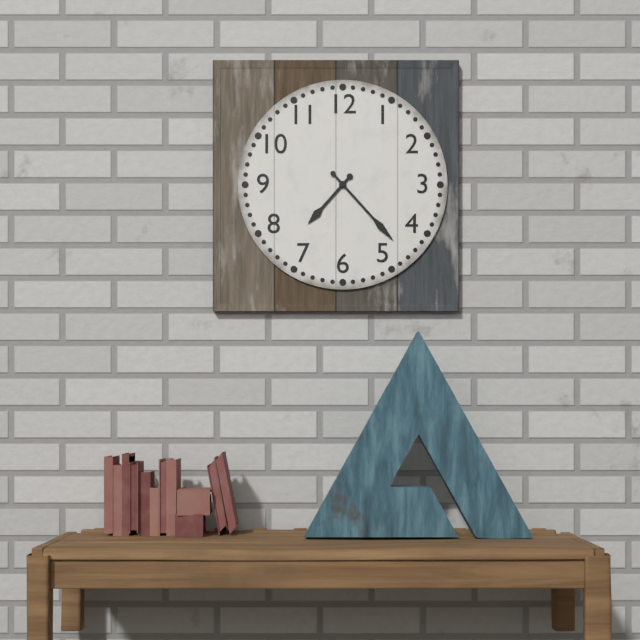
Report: 7:23
